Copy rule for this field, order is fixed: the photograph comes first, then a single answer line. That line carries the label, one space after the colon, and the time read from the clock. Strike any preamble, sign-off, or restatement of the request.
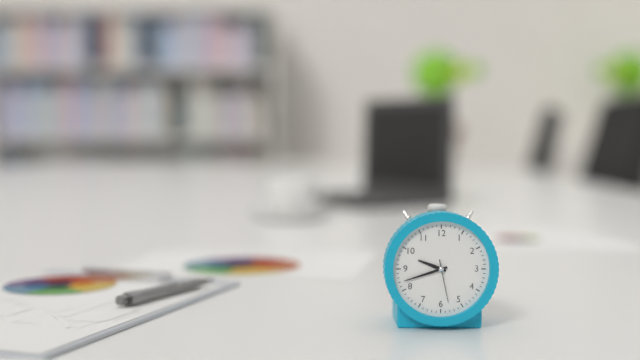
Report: 9:42
